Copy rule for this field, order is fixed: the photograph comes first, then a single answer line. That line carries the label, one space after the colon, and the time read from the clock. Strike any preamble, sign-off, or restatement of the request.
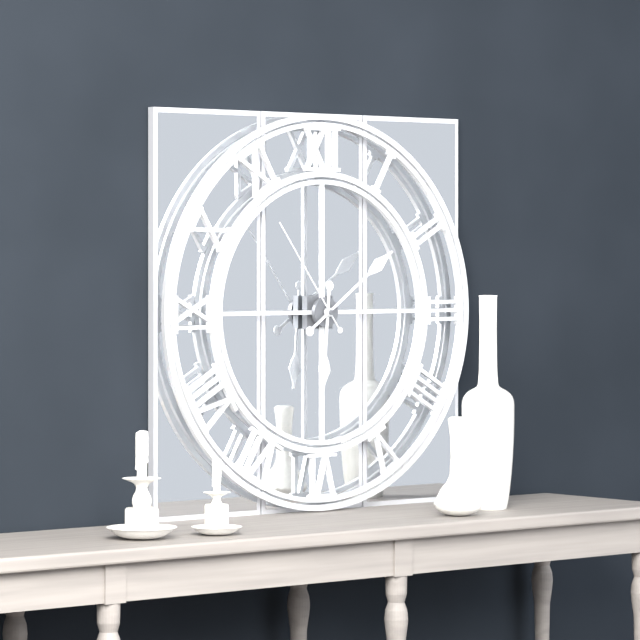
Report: 6:09:54
